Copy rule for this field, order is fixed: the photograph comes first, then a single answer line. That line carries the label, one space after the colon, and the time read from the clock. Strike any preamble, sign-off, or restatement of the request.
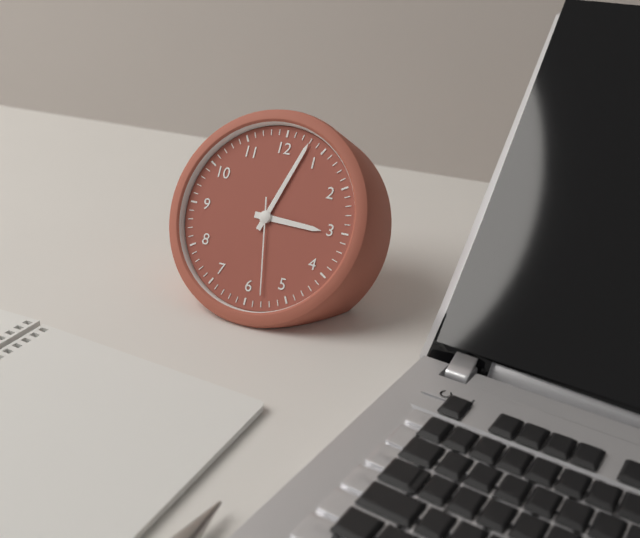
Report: 3:03:28
